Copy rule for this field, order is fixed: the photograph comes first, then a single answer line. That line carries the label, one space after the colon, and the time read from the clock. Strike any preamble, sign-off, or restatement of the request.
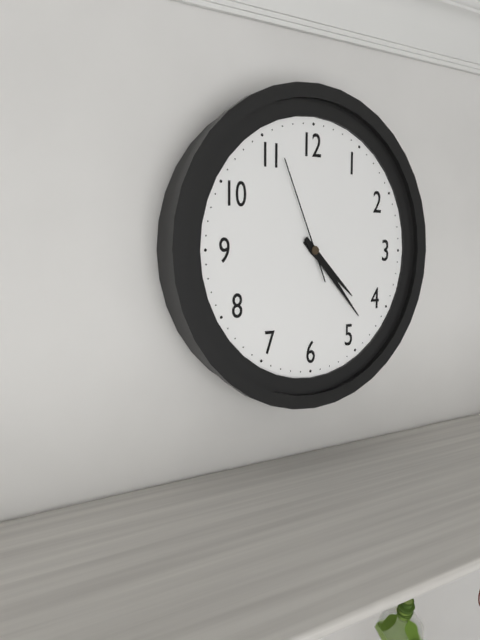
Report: 4:23:56
